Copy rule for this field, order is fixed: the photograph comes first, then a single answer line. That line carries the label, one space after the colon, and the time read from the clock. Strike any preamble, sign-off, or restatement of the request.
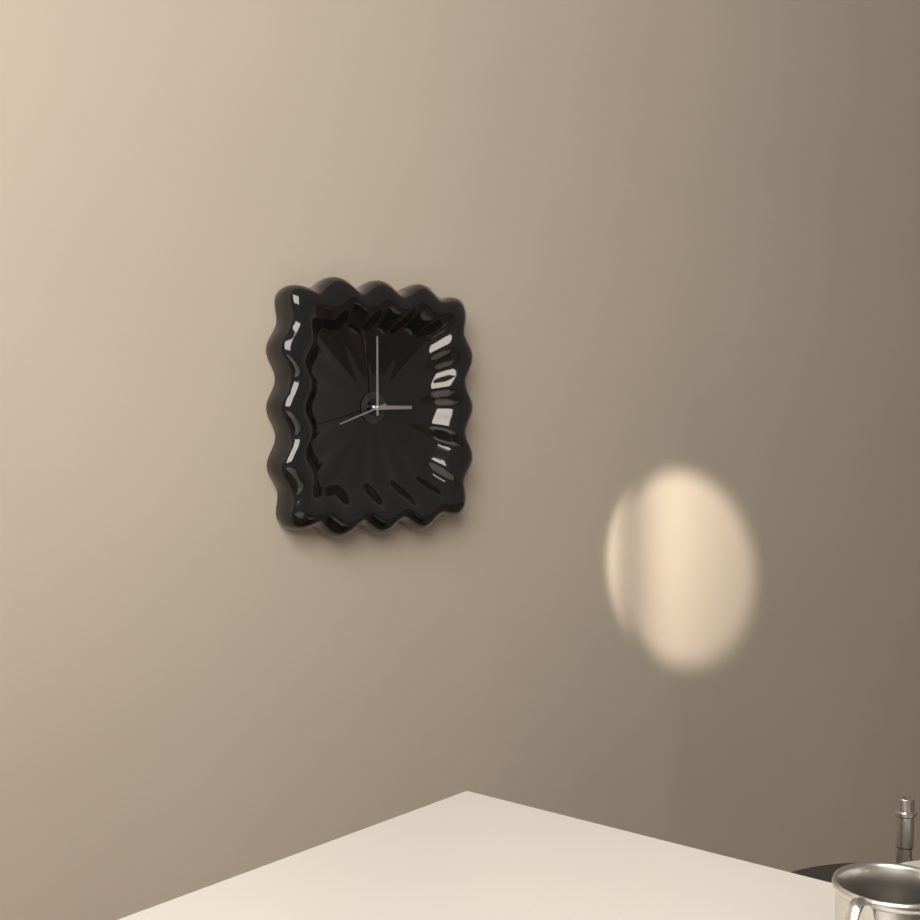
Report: 3:00:42
